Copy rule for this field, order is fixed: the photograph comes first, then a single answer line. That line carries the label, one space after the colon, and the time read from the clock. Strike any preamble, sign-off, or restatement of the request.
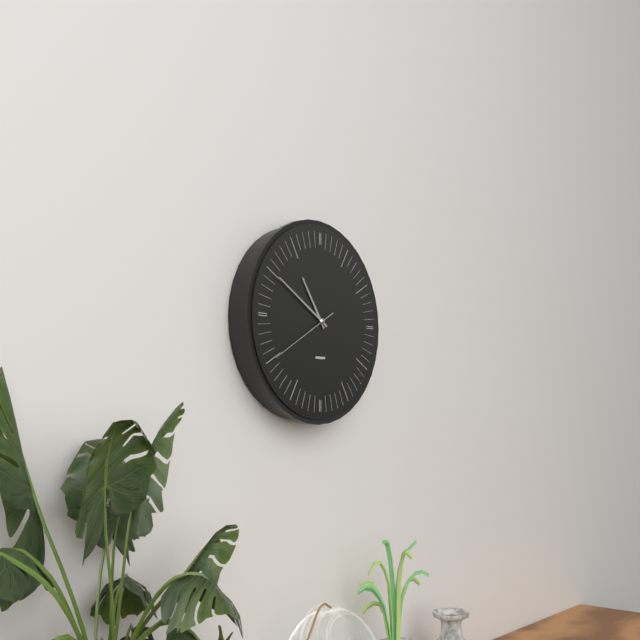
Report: 10:50:40
